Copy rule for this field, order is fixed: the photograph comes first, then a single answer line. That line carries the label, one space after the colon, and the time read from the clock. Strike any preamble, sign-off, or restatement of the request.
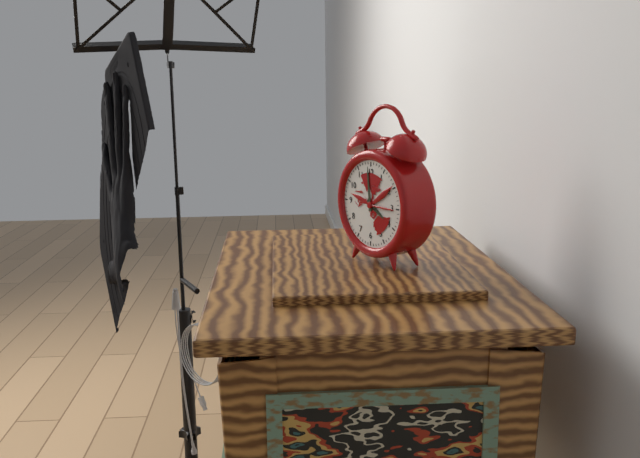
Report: 3:59
